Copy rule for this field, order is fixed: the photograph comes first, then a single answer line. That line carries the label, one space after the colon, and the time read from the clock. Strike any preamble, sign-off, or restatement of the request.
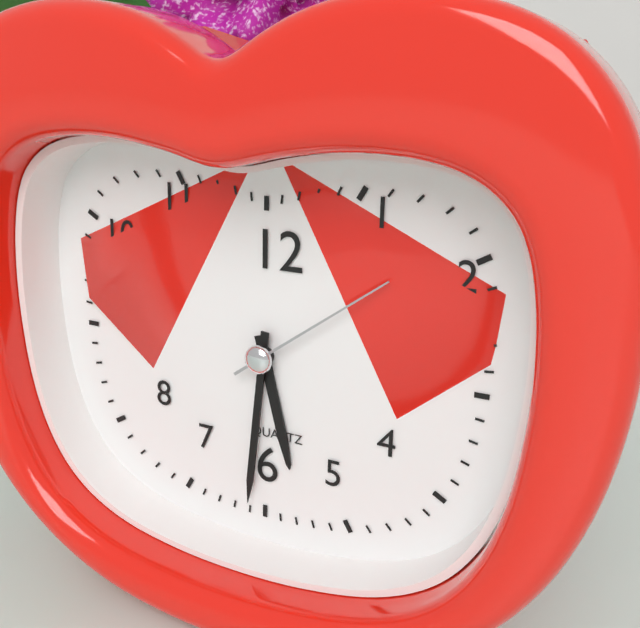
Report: 5:31:09
